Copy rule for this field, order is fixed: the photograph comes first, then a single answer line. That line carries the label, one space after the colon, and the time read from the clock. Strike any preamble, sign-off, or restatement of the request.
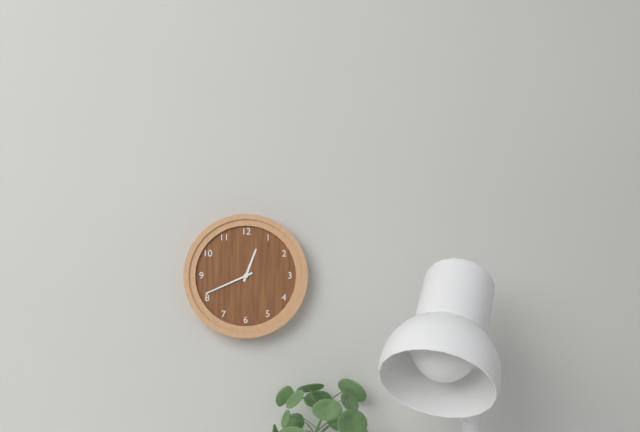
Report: 12:41
